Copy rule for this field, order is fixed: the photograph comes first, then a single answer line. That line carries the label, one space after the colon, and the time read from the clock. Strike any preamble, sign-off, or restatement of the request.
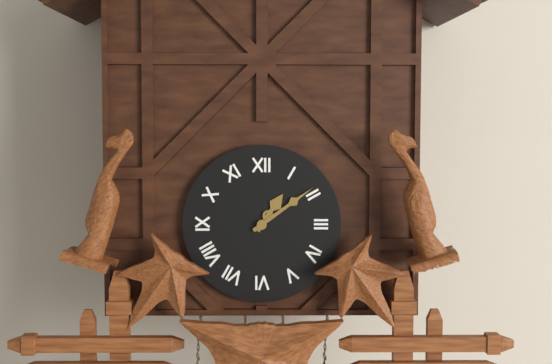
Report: 1:09
